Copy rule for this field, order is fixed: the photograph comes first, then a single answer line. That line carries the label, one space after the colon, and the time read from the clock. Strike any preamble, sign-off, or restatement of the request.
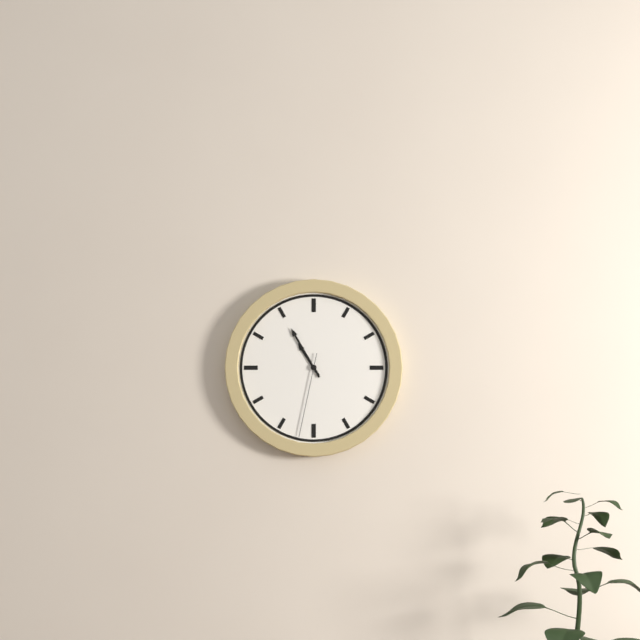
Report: 10:55:32
